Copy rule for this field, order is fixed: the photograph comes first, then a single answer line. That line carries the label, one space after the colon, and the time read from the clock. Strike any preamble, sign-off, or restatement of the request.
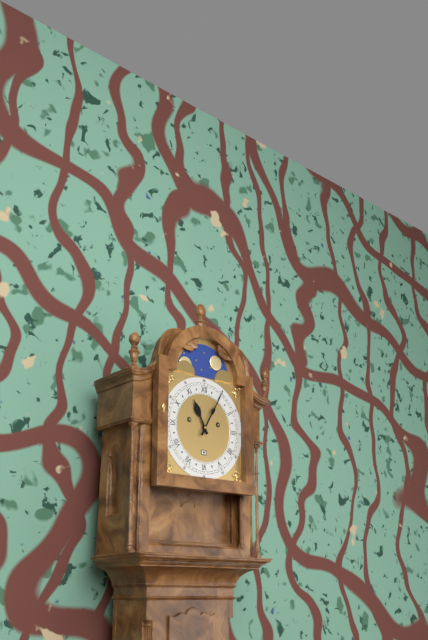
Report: 11:05
